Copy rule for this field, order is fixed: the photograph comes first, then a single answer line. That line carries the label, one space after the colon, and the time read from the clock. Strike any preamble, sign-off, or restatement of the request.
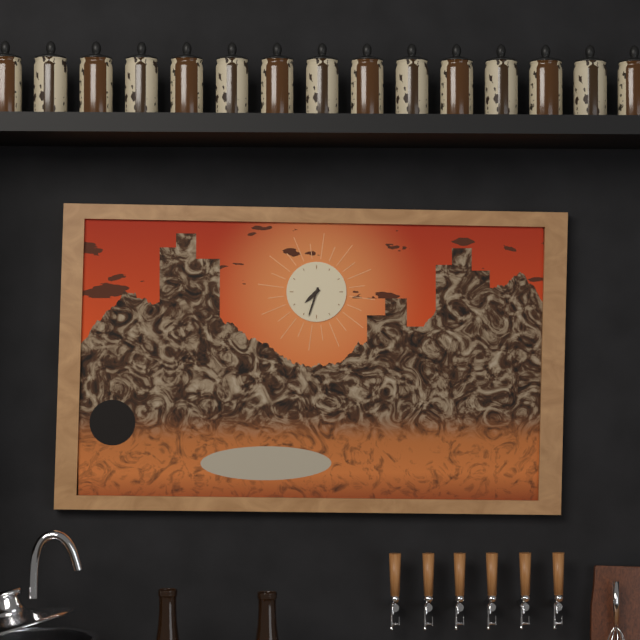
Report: 7:33
